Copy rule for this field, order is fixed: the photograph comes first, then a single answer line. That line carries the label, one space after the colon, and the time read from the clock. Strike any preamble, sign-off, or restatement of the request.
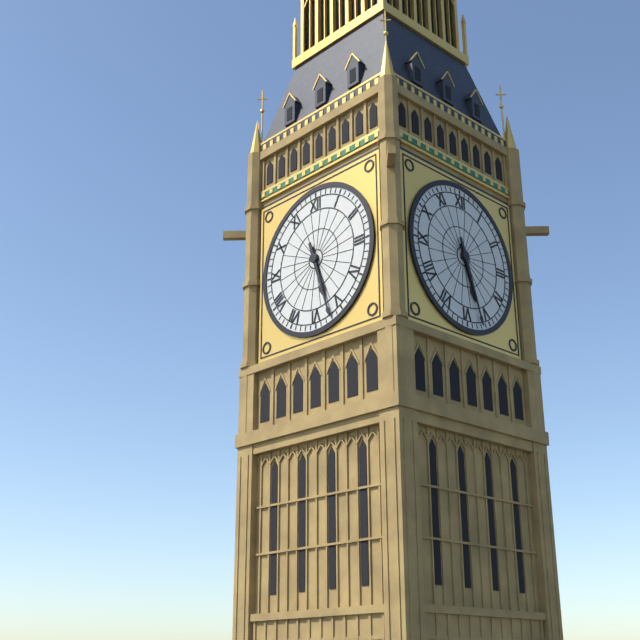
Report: 5:27
